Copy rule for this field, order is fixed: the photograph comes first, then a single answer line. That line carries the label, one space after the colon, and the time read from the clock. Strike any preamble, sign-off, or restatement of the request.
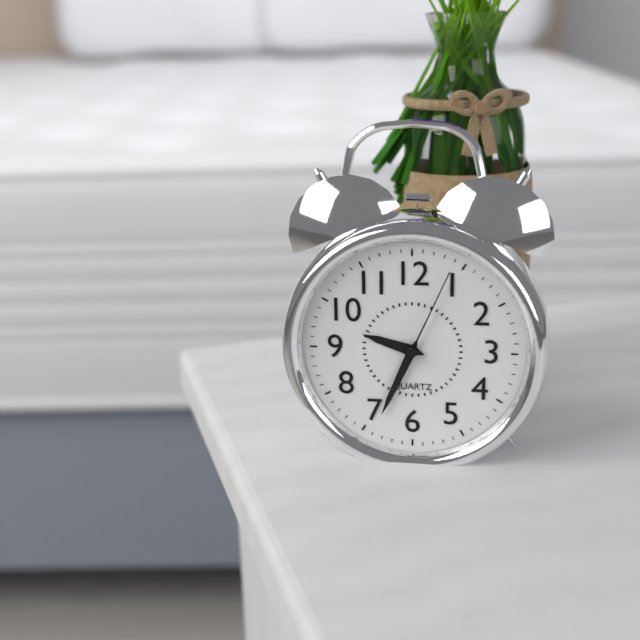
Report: 9:34:04
